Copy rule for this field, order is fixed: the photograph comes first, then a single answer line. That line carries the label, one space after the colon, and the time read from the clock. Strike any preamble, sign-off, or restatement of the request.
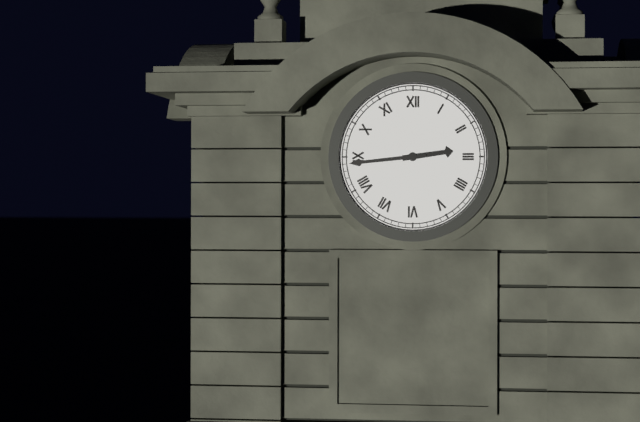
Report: 2:44
